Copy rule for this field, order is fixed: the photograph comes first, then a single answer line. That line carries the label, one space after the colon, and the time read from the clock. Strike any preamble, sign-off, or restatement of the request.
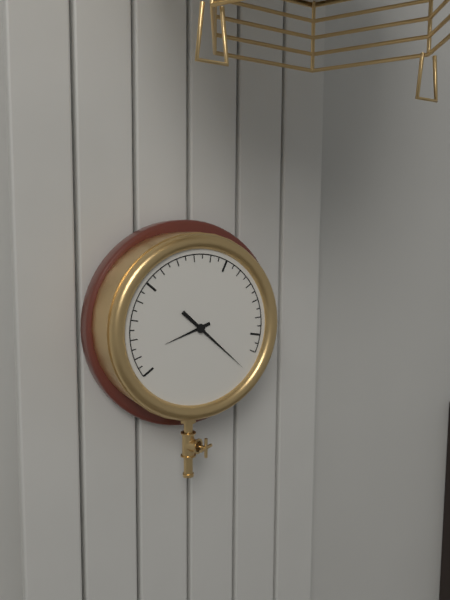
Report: 8:22
